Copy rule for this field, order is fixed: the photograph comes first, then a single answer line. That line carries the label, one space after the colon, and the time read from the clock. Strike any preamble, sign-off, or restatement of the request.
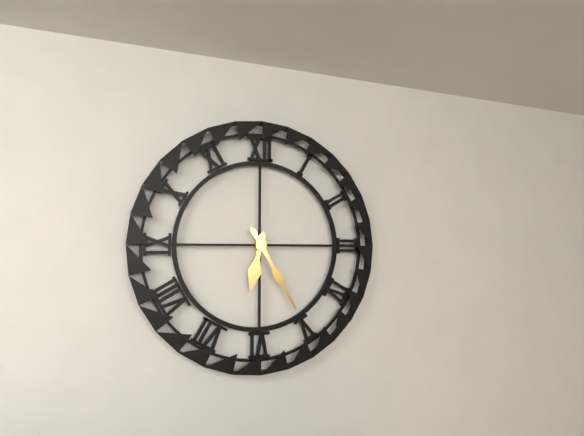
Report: 6:25
